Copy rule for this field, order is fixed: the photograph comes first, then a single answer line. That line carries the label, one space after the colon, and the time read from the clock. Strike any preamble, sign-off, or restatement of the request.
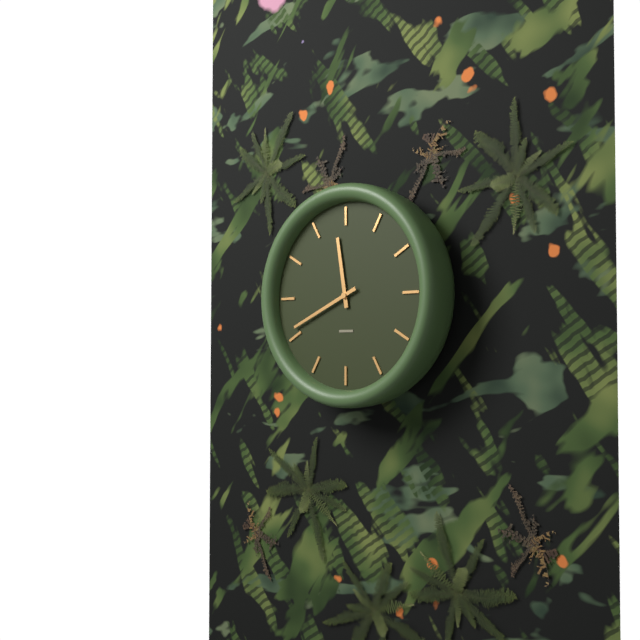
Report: 11:41
